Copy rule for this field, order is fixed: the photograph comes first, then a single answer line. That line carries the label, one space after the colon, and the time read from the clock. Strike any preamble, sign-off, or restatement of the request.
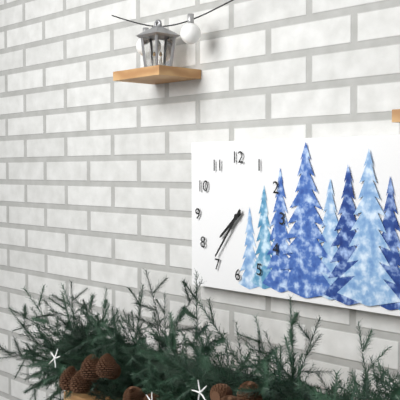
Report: 7:36
